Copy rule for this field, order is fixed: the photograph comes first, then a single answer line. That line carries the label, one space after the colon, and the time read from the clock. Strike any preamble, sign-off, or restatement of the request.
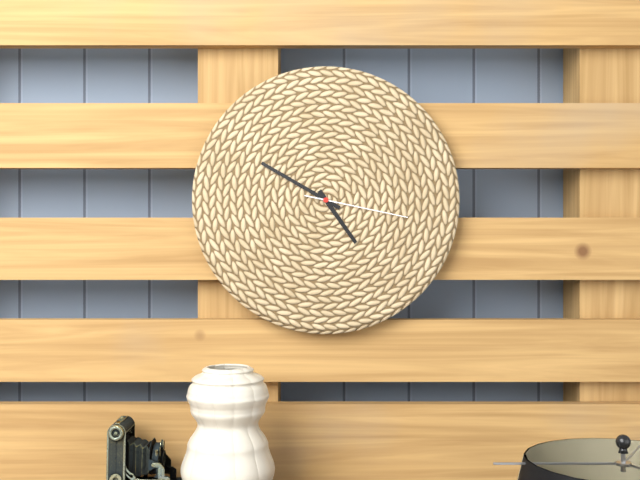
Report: 4:50:17
